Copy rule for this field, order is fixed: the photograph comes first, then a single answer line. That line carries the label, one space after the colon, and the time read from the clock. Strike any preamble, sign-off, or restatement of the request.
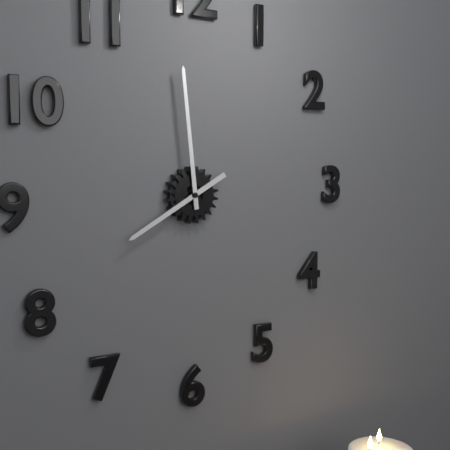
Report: 7:59
